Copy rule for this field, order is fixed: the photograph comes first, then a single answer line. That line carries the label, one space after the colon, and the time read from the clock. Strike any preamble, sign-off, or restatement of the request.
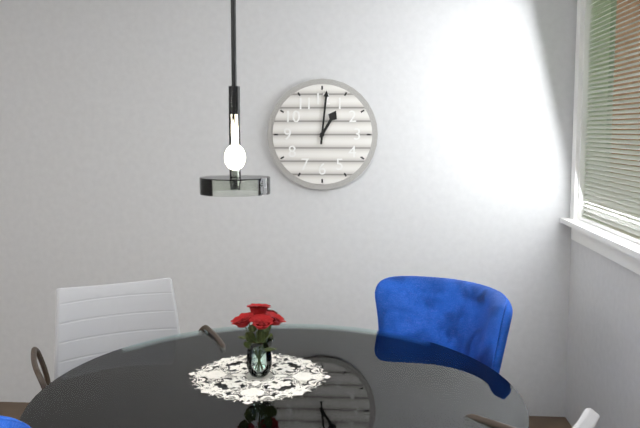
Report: 1:01
